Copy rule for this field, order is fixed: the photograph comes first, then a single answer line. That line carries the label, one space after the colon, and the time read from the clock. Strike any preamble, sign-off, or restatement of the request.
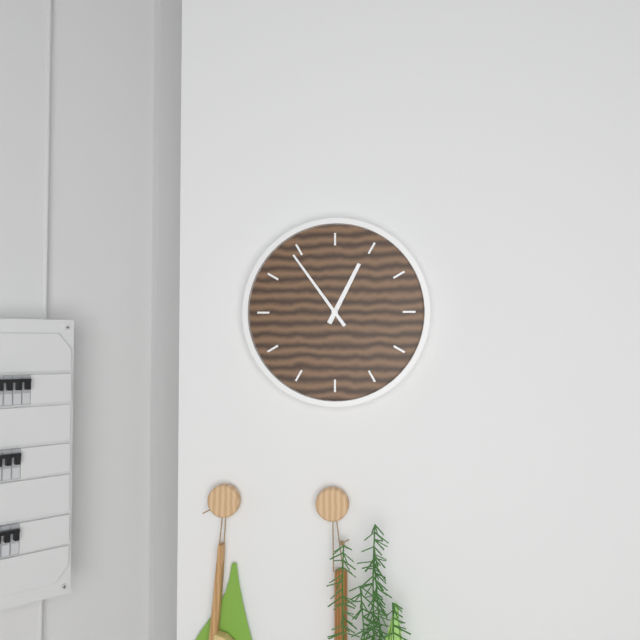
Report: 12:54
